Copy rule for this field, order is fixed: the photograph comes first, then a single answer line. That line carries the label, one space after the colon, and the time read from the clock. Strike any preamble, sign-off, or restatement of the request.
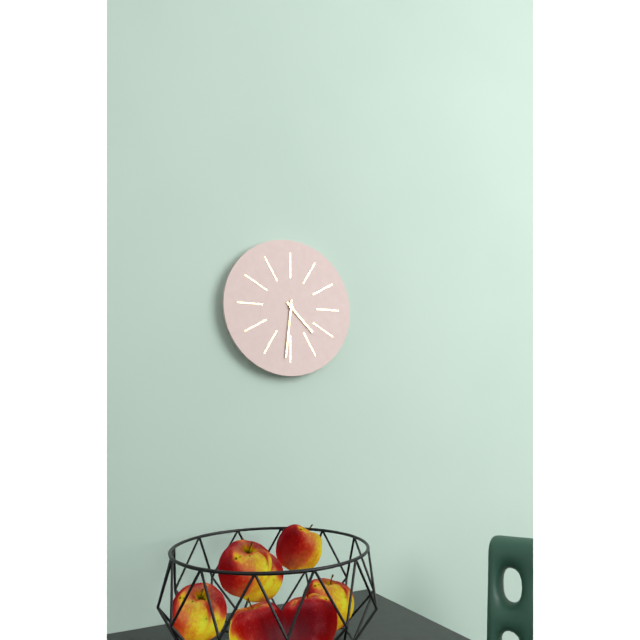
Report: 4:31
